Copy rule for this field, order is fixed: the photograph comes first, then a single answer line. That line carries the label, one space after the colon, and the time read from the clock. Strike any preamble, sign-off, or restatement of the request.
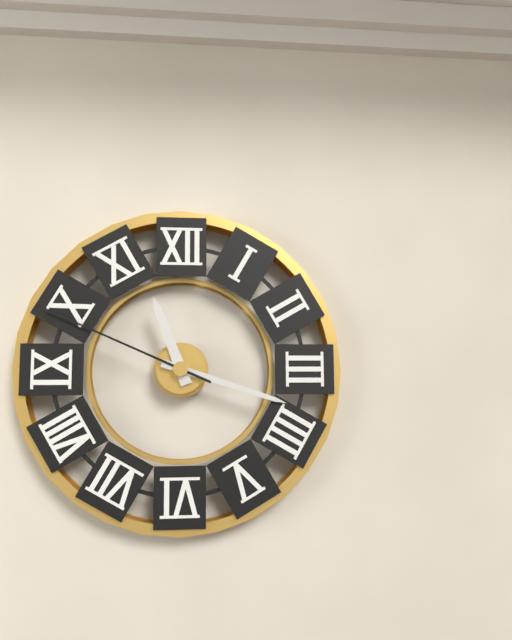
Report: 11:18:49
